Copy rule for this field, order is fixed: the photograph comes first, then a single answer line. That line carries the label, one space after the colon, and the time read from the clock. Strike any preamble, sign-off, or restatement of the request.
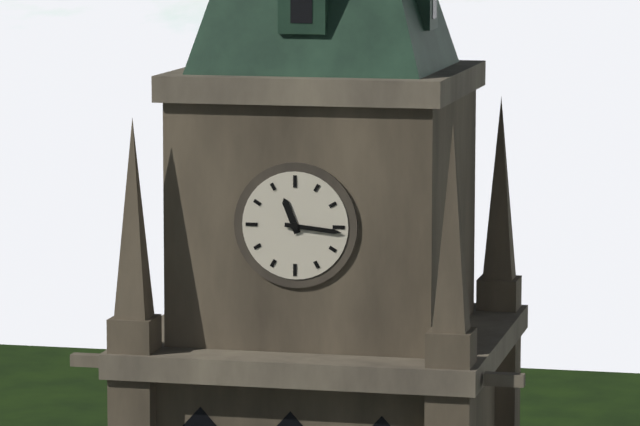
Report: 11:16
